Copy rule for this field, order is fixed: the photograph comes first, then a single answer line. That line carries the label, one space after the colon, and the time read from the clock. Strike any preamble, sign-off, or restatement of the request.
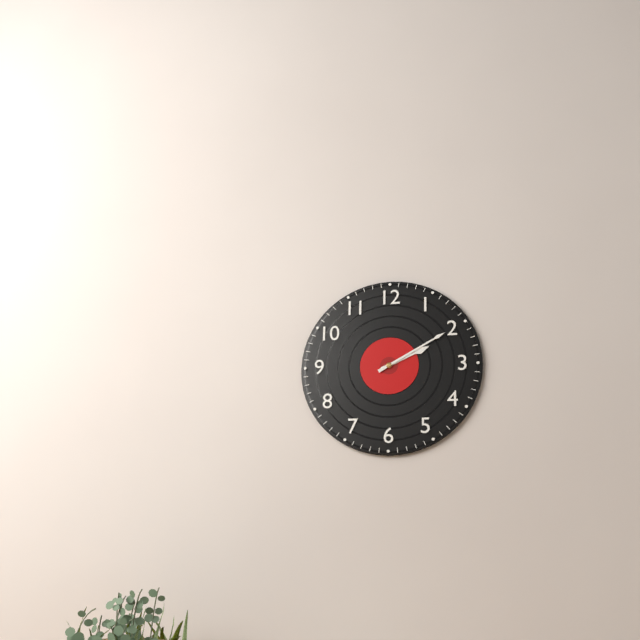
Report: 2:10
